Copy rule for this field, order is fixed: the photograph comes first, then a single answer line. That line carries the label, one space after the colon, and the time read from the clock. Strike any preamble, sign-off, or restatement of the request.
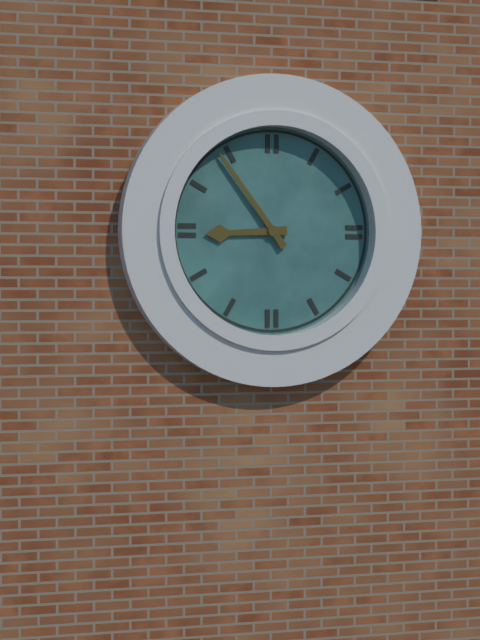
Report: 8:54
